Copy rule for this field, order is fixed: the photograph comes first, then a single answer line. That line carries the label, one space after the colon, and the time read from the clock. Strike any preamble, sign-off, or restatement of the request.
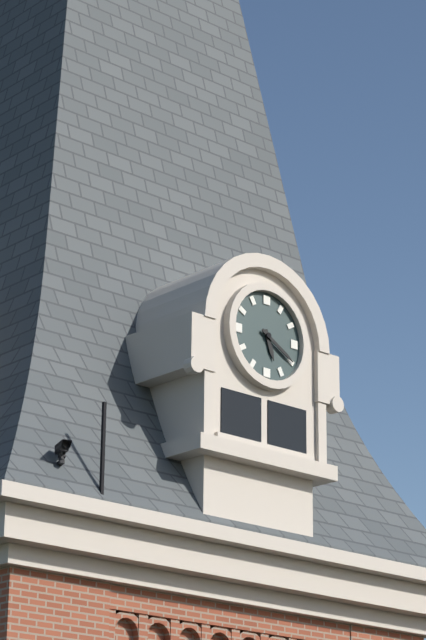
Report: 5:20
